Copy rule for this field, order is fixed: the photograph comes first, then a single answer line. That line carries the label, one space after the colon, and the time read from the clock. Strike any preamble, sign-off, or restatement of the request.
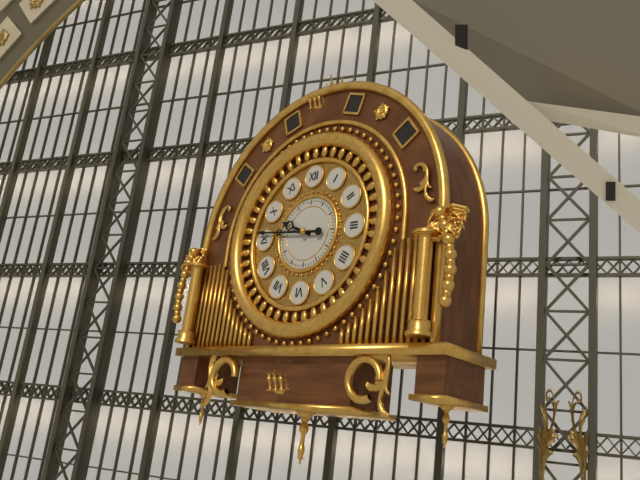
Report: 9:46
